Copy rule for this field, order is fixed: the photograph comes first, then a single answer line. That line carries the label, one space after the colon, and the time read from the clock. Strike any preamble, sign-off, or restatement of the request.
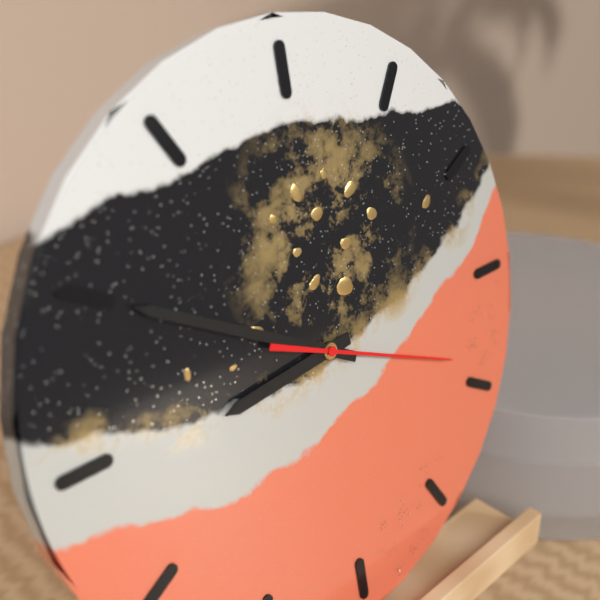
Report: 8:50:19
